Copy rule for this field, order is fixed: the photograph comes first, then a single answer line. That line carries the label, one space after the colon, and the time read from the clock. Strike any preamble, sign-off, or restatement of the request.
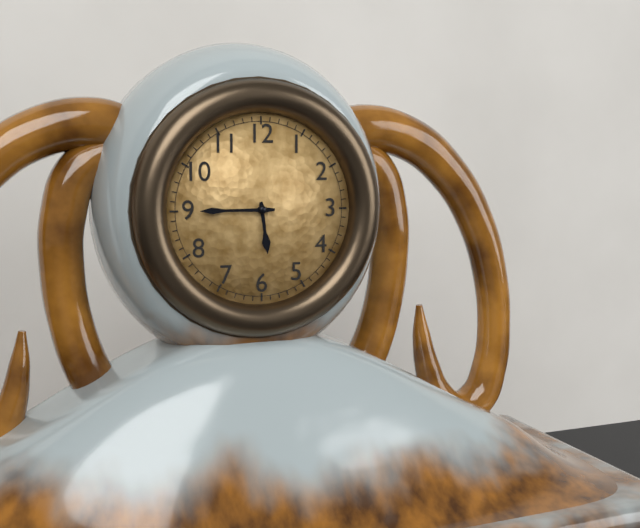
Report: 5:45
